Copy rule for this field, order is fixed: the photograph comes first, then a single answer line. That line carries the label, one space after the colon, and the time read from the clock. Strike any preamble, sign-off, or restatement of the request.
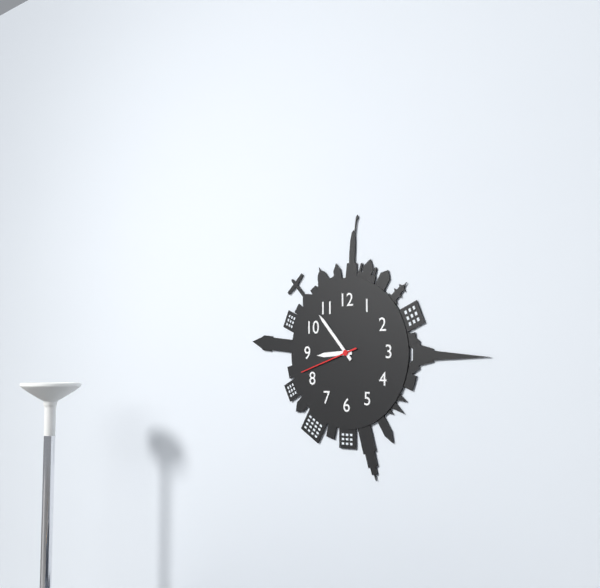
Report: 8:53:42
